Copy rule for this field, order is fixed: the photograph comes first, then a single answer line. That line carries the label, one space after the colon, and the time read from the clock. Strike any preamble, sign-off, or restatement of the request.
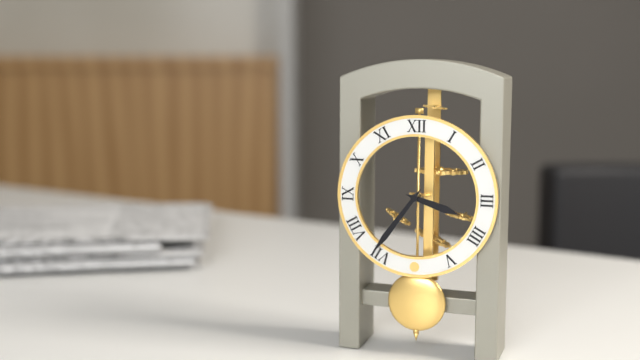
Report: 3:36
